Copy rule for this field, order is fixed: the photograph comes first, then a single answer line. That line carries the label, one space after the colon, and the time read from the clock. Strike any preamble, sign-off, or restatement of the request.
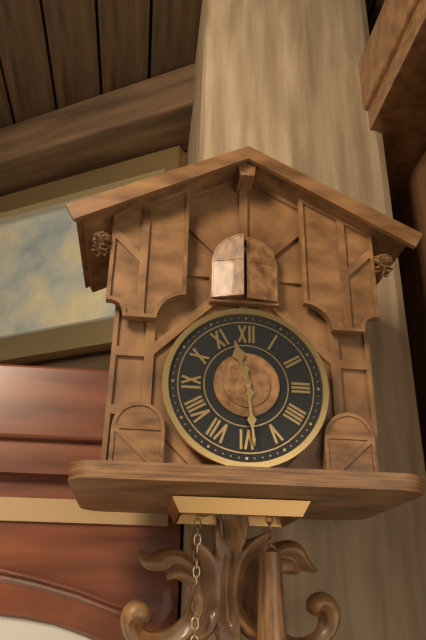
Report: 11:29
